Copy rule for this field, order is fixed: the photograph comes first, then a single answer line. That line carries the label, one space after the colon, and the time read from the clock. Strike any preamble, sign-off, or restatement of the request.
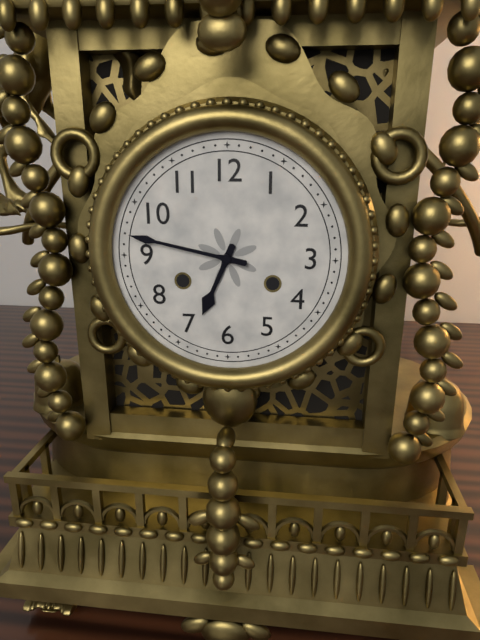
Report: 6:47
